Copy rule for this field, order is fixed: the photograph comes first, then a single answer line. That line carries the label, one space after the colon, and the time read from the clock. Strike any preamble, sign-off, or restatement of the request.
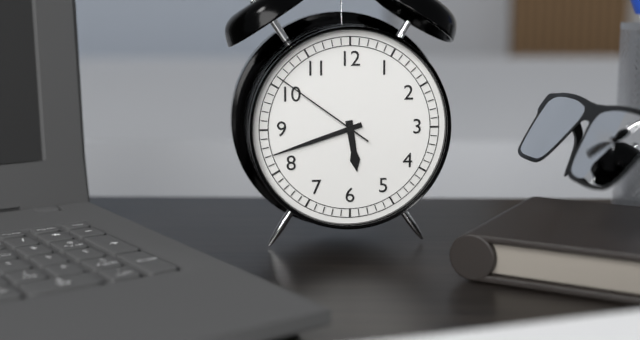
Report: 5:42:51
